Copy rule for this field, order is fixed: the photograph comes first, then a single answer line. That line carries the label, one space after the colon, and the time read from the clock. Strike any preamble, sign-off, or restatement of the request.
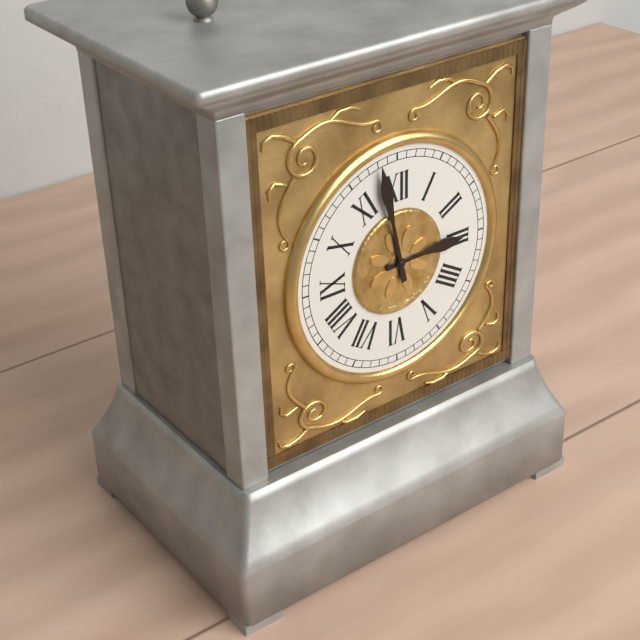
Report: 2:58
